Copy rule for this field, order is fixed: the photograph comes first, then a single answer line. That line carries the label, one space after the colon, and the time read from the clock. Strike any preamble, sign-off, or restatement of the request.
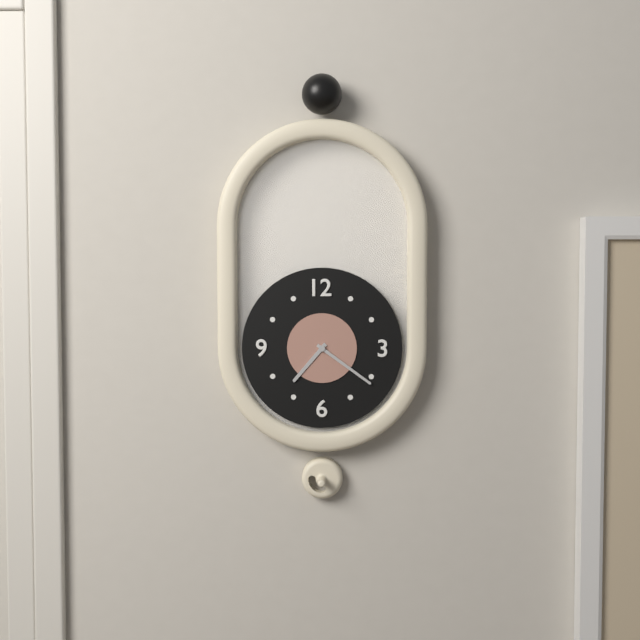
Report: 7:21
